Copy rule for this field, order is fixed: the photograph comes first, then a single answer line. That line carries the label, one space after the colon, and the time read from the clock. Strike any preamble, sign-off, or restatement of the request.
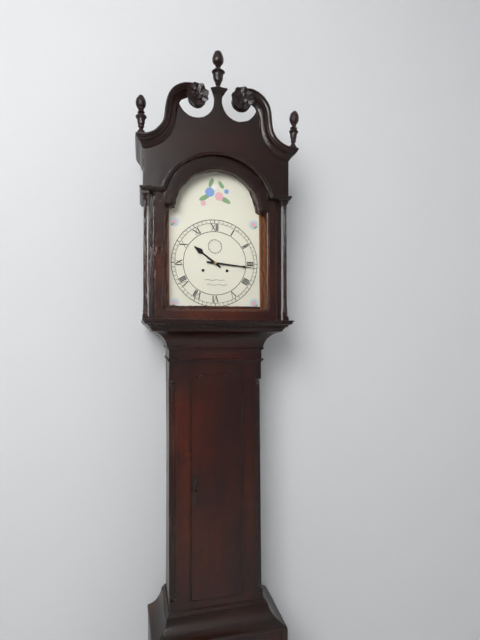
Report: 10:16
